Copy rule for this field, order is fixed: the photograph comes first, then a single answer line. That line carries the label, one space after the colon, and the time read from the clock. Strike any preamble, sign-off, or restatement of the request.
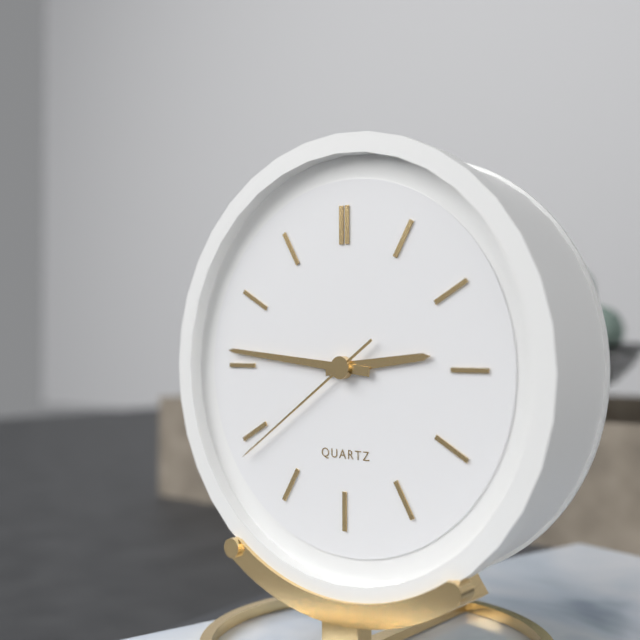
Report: 2:46:39
